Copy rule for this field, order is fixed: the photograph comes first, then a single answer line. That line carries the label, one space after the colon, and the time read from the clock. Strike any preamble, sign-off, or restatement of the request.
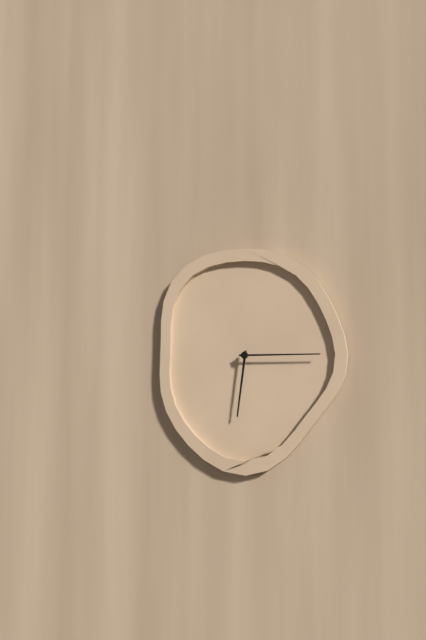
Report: 6:15
